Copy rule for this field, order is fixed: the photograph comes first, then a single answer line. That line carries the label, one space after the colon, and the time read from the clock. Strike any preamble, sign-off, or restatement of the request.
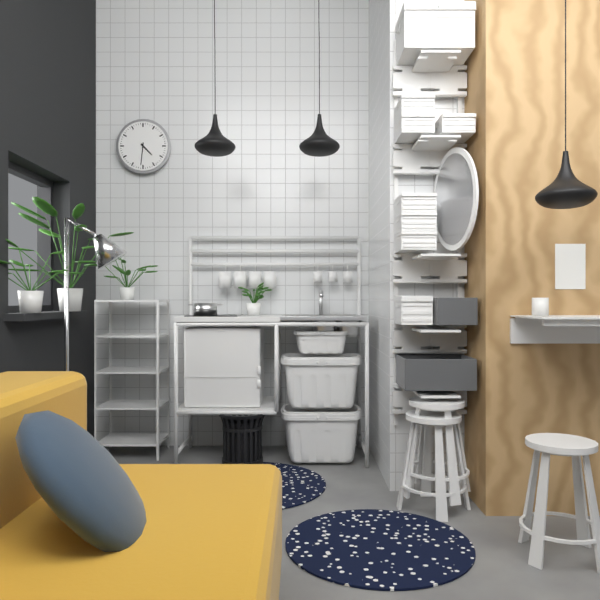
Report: 4:31
